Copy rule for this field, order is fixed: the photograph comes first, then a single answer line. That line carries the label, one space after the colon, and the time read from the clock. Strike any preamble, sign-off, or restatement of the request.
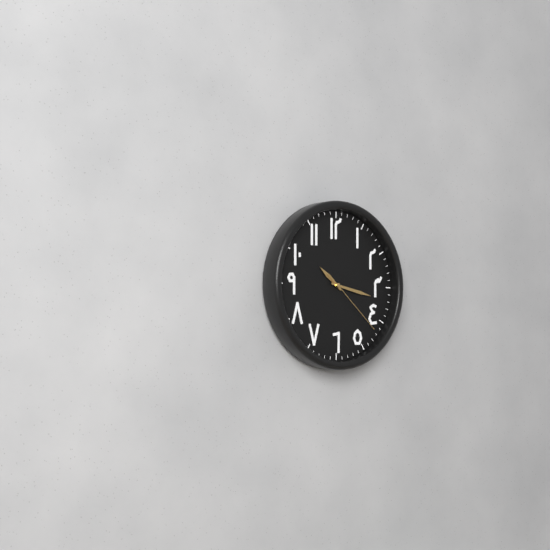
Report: 10:17:22
